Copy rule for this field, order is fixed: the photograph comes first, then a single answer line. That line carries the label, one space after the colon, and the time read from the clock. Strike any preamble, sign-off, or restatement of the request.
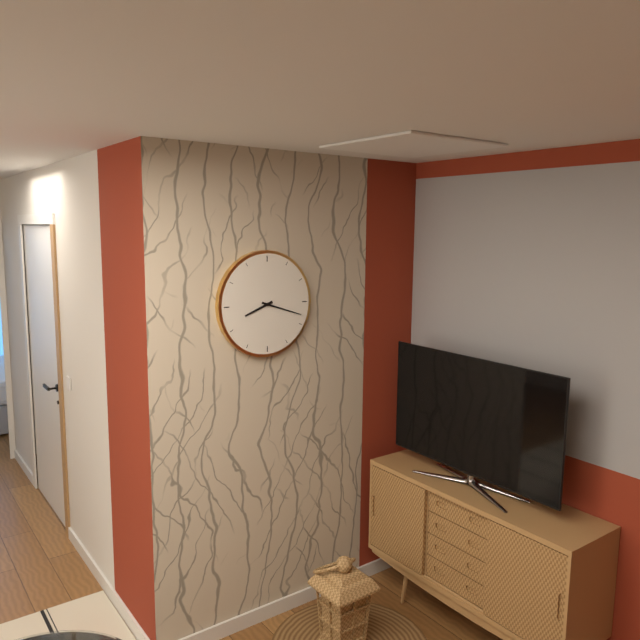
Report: 8:18
